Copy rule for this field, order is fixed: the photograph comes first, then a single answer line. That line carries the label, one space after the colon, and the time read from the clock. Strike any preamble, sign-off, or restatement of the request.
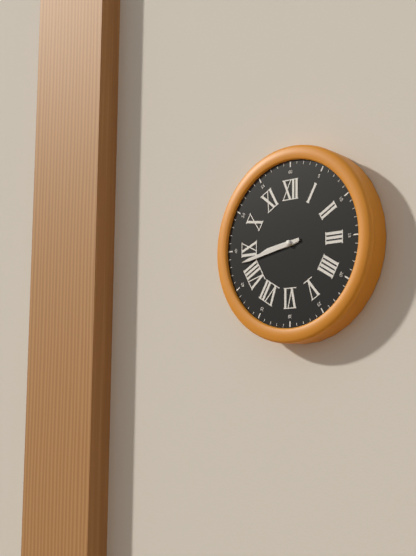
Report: 8:43
